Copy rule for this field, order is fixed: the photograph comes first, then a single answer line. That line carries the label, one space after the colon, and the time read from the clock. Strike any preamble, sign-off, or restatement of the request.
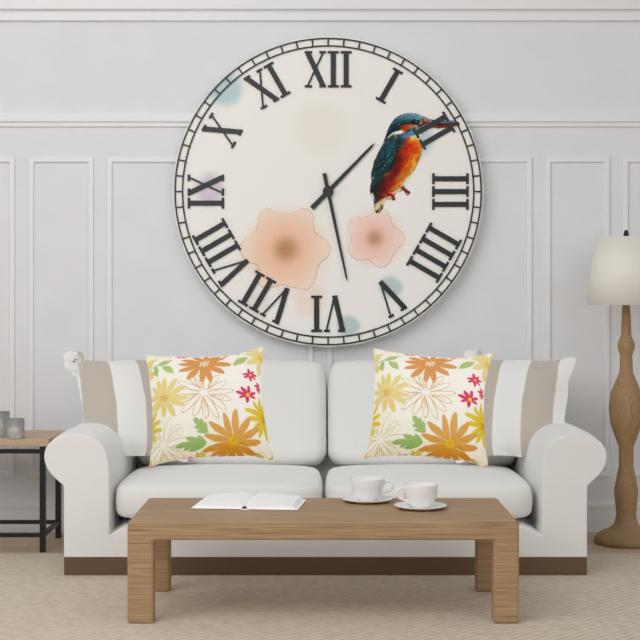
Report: 1:28
